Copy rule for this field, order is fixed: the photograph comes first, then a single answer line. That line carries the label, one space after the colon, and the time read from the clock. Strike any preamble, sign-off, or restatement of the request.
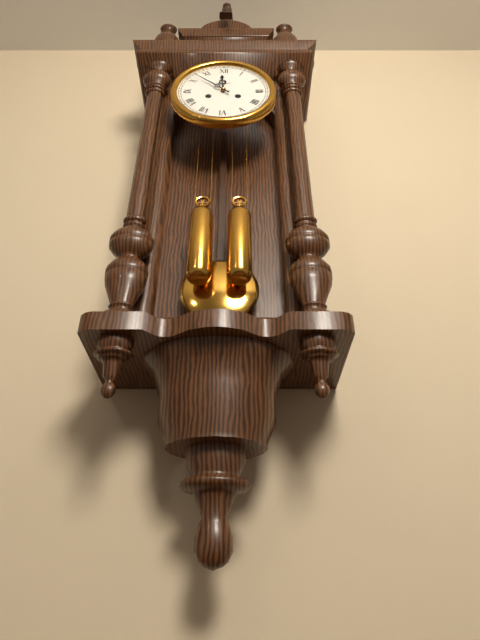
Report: 11:52
